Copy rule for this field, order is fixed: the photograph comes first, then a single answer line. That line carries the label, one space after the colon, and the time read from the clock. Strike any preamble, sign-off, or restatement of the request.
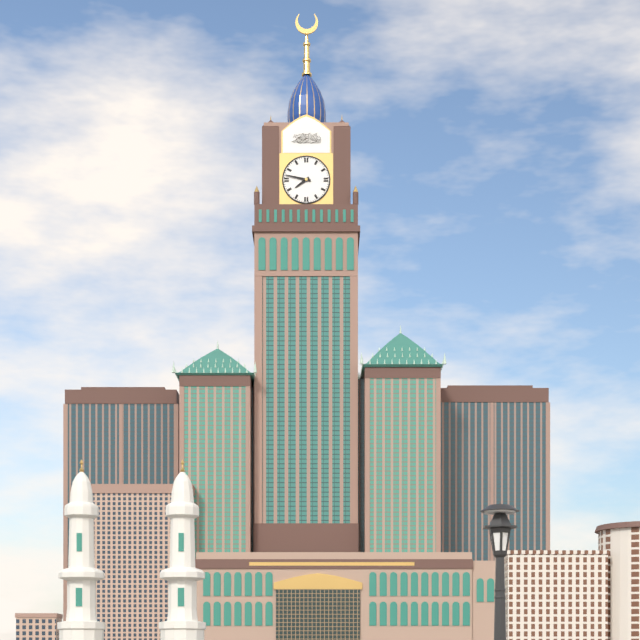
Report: 7:47
